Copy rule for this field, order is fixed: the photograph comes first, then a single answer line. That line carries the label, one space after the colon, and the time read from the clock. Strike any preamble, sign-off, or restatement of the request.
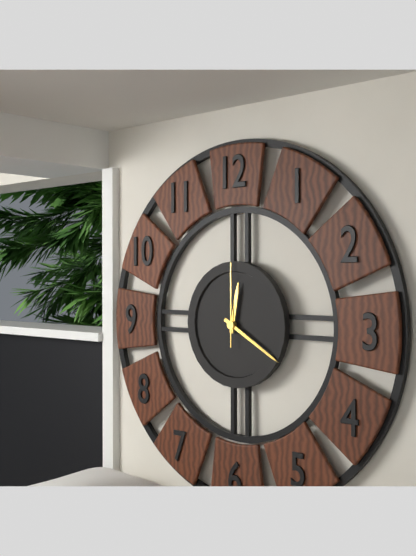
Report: 12:20:00
